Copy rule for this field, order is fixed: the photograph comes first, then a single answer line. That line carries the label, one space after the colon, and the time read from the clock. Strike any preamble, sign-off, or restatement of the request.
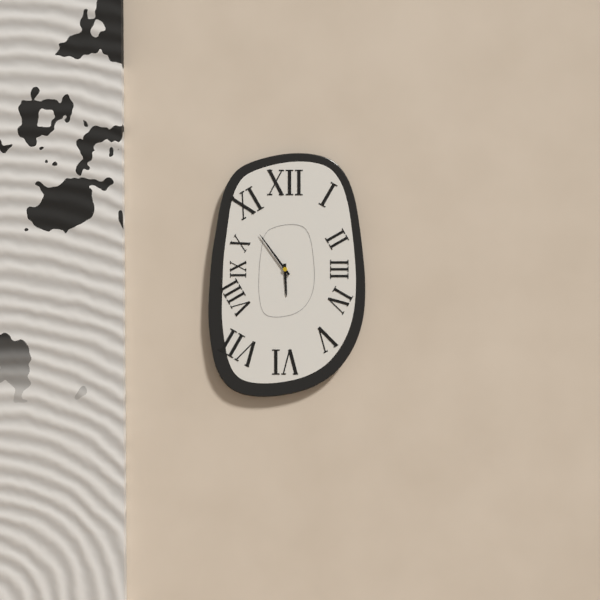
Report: 5:54
